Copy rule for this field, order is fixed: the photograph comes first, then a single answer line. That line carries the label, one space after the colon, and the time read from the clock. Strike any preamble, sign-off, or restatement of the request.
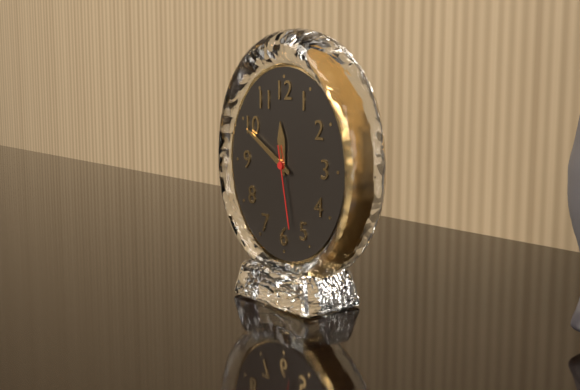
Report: 11:50:28
